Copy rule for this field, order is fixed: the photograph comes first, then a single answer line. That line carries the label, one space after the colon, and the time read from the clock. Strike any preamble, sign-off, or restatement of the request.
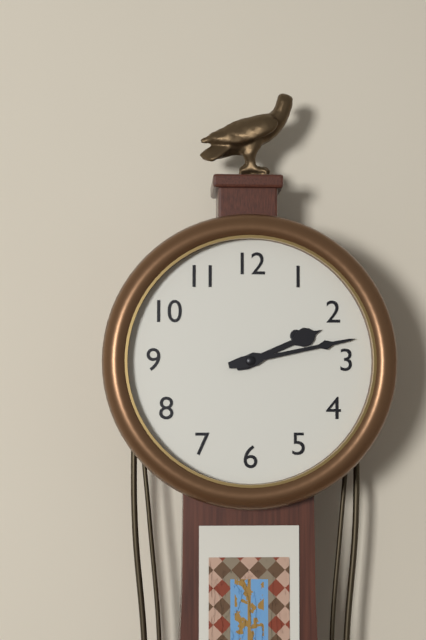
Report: 2:13
